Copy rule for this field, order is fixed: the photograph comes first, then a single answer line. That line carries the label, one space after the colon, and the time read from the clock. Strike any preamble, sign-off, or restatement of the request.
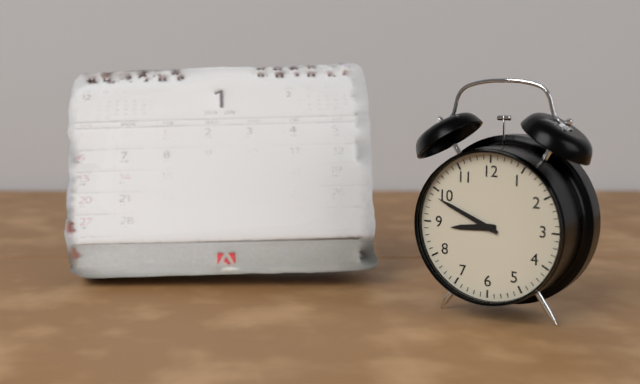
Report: 8:49
